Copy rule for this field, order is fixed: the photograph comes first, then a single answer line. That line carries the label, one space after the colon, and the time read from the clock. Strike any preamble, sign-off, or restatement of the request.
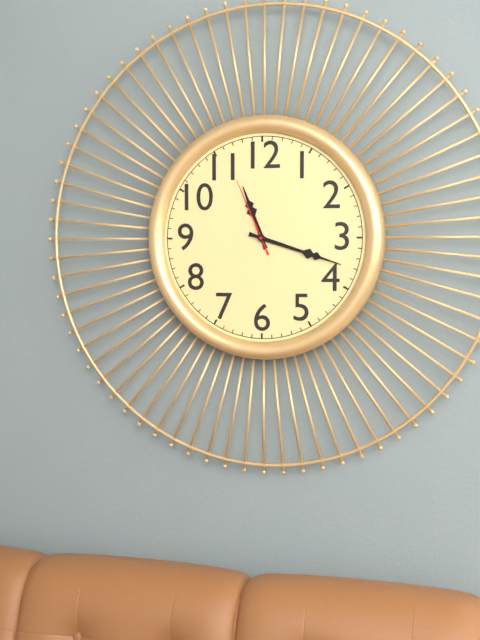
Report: 11:18:56
